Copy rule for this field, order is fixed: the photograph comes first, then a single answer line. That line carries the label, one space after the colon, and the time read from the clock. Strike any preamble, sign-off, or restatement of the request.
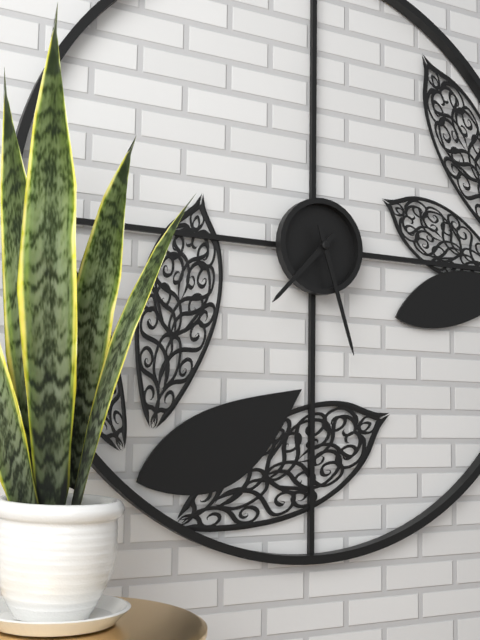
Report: 7:27
